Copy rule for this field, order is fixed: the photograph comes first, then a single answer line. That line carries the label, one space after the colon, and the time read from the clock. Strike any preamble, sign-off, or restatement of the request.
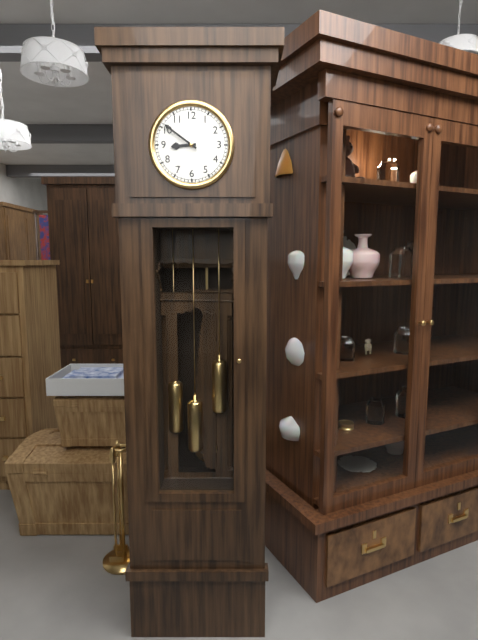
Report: 8:51
